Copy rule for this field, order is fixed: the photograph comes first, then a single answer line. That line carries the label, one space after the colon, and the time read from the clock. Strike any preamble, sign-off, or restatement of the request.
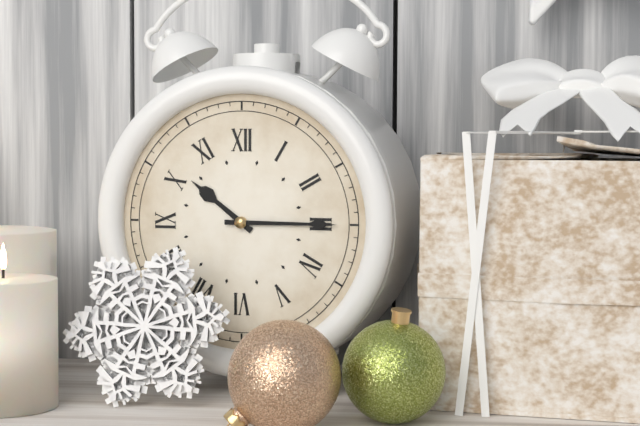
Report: 10:15
